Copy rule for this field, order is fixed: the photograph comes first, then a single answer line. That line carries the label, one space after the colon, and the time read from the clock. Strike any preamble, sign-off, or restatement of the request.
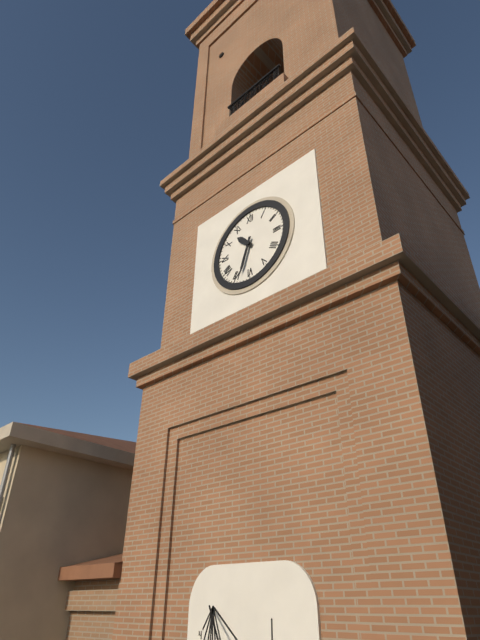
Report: 10:33
